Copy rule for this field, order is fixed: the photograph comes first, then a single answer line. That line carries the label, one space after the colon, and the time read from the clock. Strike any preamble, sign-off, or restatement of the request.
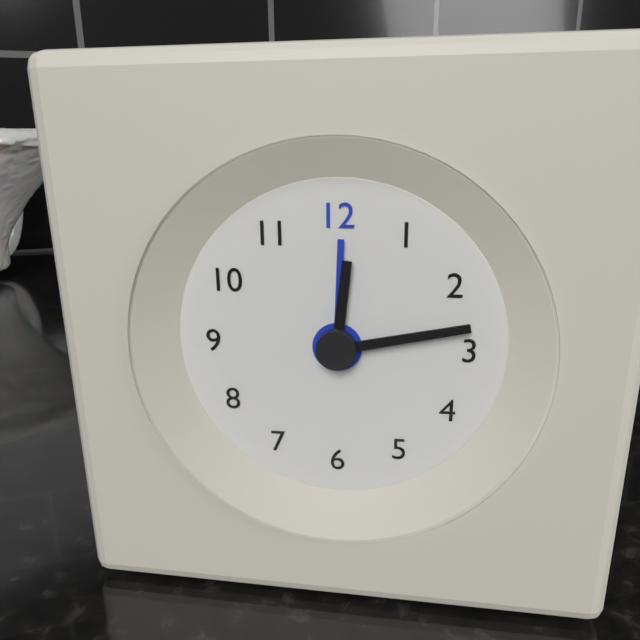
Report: 12:13
